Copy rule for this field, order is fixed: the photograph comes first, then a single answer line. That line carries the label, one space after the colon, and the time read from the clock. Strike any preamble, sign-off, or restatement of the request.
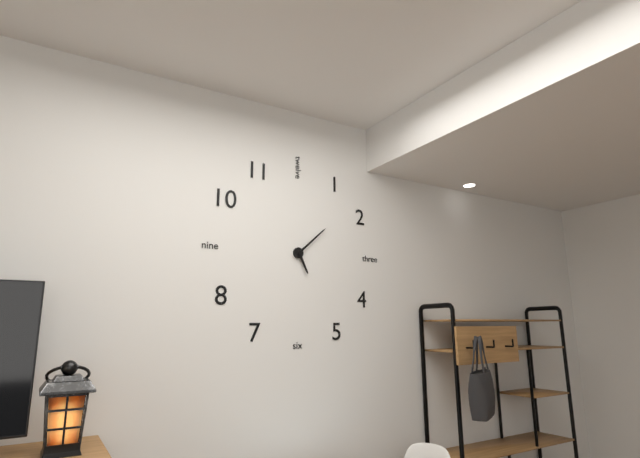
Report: 5:08
